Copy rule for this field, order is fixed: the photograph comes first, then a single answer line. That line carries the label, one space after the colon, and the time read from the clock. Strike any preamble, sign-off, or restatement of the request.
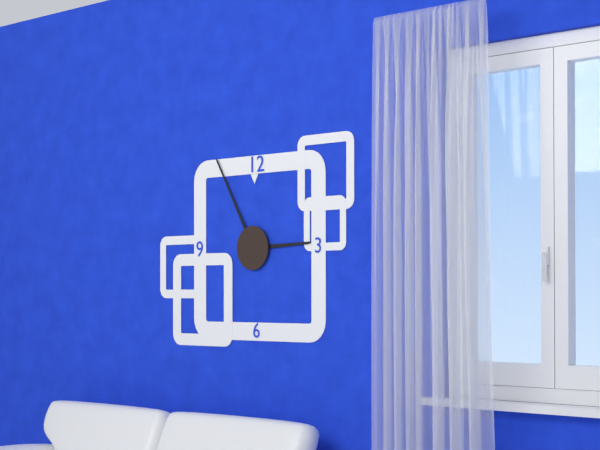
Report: 2:55
